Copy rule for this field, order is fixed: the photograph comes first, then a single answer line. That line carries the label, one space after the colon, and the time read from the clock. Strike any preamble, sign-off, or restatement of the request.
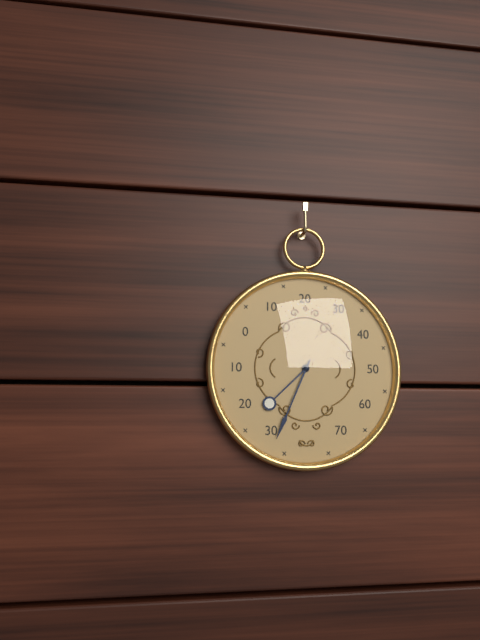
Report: 7:34
